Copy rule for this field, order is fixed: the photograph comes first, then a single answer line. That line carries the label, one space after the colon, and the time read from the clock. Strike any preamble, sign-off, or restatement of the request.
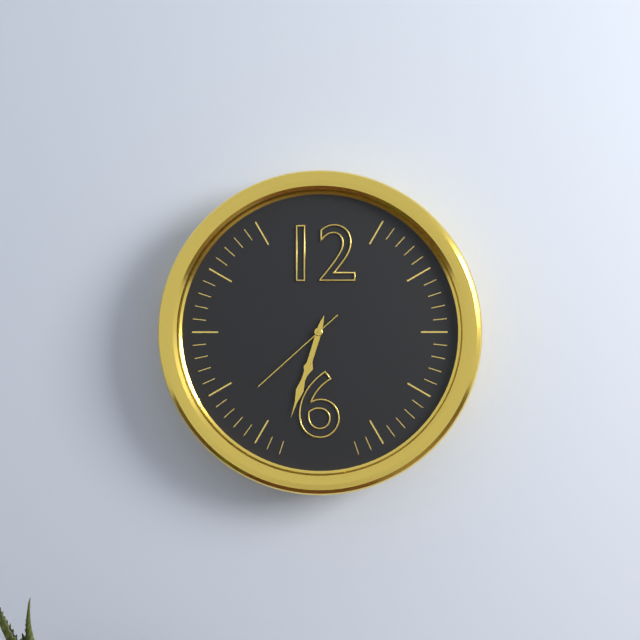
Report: 6:33:38
